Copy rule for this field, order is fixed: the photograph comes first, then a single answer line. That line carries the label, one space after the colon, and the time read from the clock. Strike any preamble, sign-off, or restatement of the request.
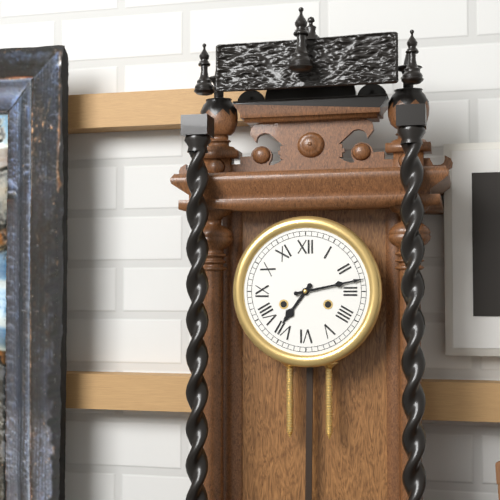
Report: 7:13
